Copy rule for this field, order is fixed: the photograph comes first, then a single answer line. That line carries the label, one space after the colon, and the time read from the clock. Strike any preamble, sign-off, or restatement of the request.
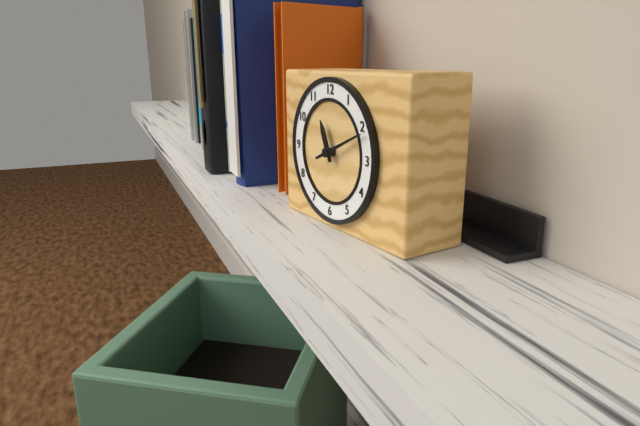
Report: 11:11
